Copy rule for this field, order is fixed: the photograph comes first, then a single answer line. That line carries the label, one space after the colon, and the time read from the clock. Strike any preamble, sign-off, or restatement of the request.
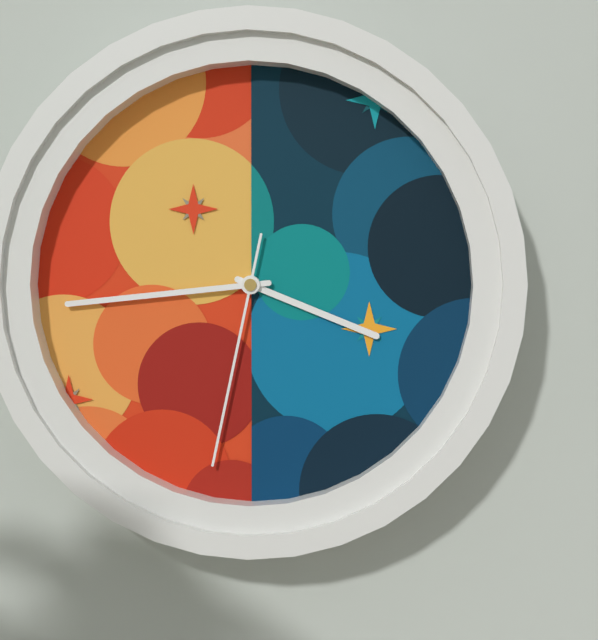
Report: 3:44:32
